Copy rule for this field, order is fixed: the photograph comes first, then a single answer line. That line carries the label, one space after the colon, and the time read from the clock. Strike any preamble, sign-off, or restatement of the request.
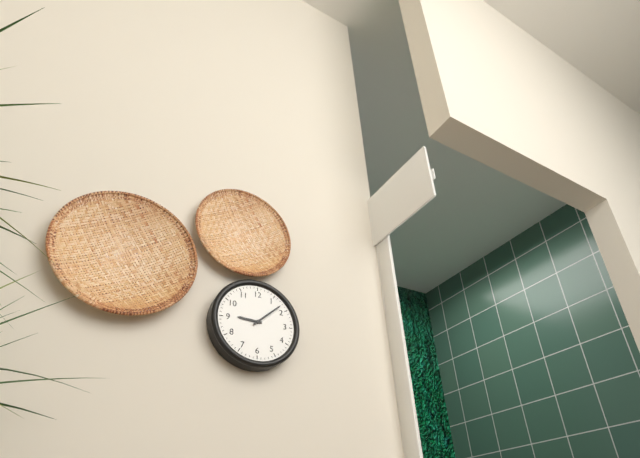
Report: 9:08
